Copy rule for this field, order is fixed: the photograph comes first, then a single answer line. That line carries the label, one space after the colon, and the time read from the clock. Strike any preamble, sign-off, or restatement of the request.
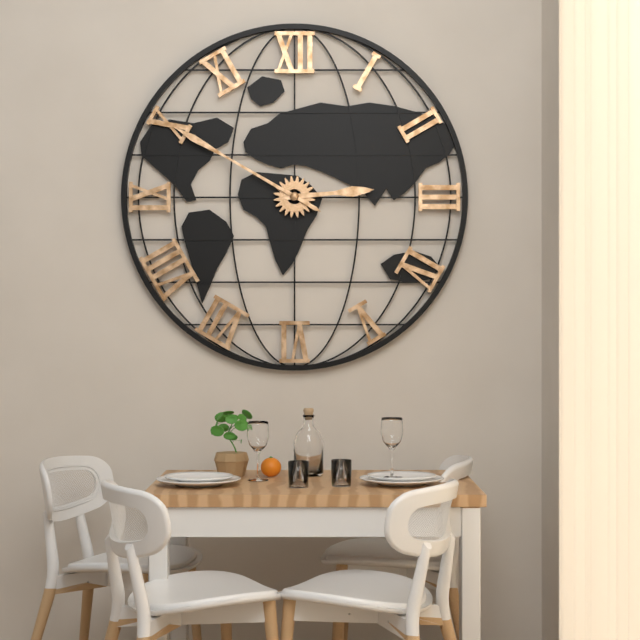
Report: 2:50
